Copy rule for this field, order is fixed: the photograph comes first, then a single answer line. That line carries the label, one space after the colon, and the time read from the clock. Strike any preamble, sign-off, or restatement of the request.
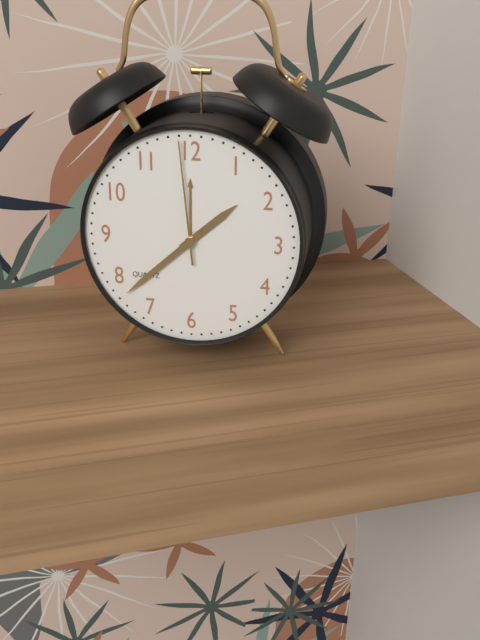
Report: 1:38:59
